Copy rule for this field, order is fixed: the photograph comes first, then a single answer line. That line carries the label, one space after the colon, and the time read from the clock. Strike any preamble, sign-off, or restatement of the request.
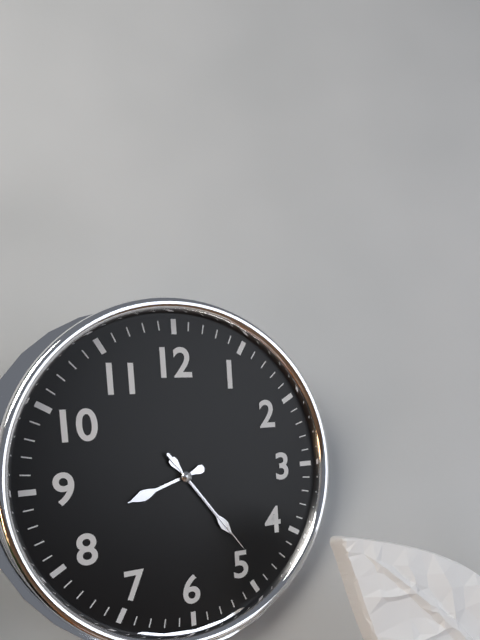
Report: 8:24:24
